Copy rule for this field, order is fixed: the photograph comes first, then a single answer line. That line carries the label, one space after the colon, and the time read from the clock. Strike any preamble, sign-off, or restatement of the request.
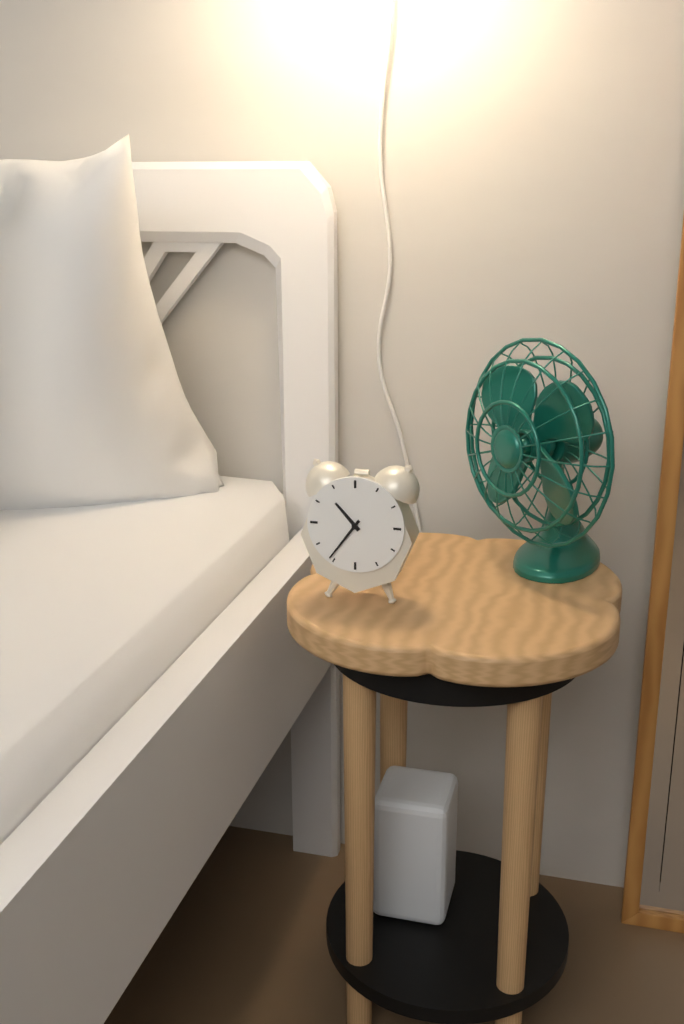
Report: 10:36
